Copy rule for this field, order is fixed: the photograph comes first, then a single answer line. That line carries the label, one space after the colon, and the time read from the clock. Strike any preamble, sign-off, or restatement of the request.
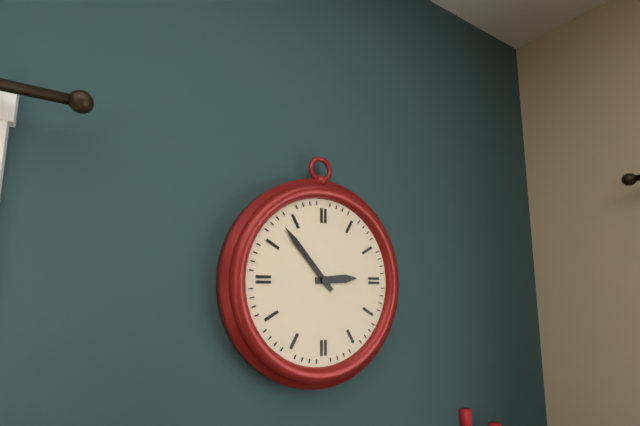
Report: 2:53
